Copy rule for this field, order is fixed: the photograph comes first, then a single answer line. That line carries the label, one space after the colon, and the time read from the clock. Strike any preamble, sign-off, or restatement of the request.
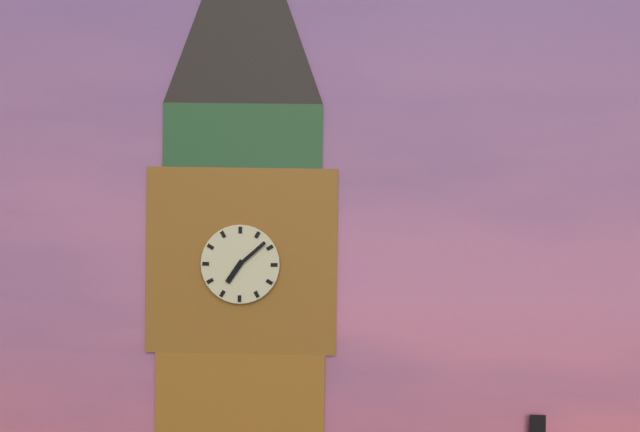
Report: 7:08
